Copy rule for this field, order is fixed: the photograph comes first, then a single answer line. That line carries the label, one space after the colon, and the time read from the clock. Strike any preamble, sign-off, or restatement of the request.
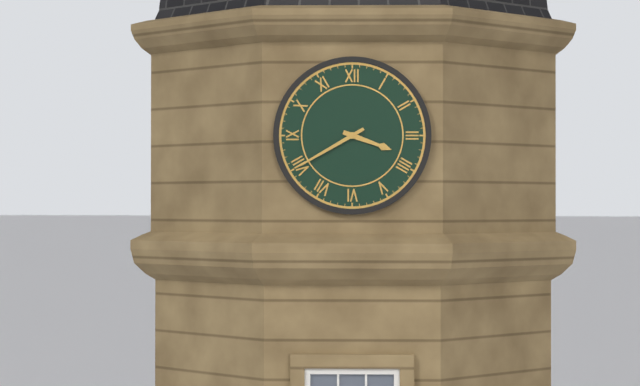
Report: 3:40
